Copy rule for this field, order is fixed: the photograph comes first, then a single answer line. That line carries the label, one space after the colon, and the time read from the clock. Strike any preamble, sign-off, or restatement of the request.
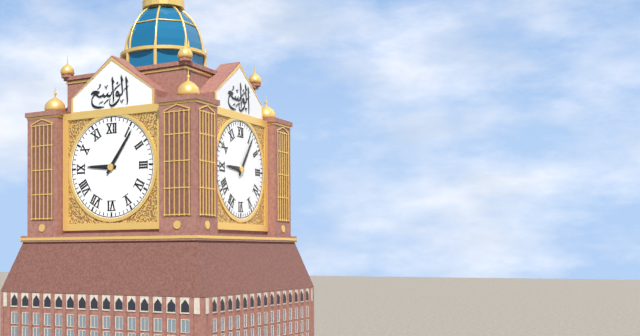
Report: 9:06
